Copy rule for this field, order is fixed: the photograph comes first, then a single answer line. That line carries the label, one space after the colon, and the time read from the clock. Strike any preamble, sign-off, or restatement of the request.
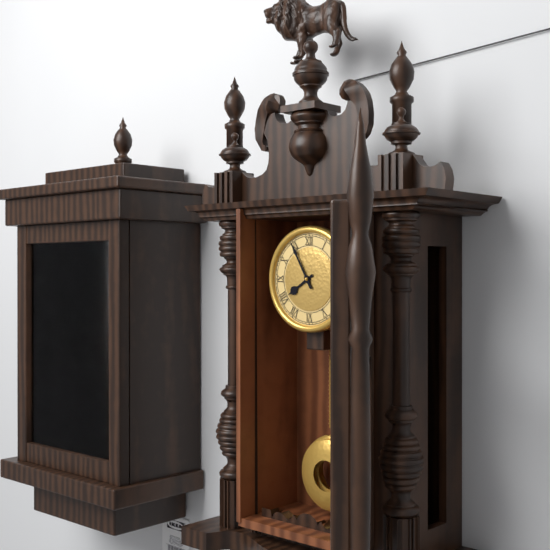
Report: 7:55
